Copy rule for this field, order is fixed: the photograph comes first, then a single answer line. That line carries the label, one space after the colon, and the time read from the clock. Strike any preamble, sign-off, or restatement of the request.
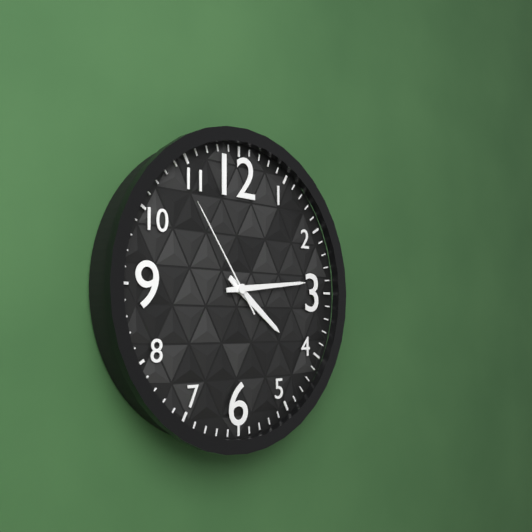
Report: 4:14:54
